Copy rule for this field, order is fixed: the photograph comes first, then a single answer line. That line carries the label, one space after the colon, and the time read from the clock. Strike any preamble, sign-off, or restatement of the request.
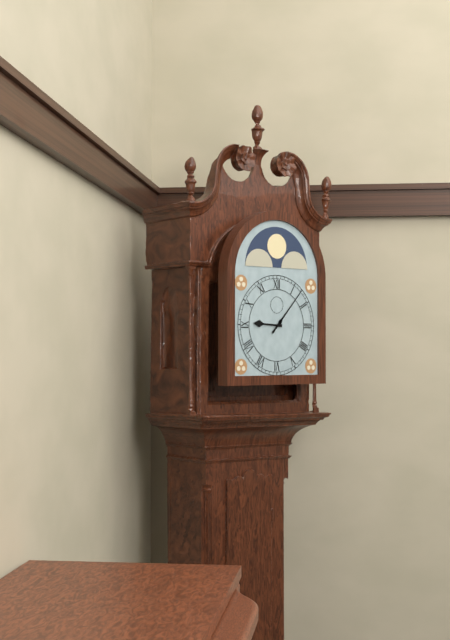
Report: 9:07
